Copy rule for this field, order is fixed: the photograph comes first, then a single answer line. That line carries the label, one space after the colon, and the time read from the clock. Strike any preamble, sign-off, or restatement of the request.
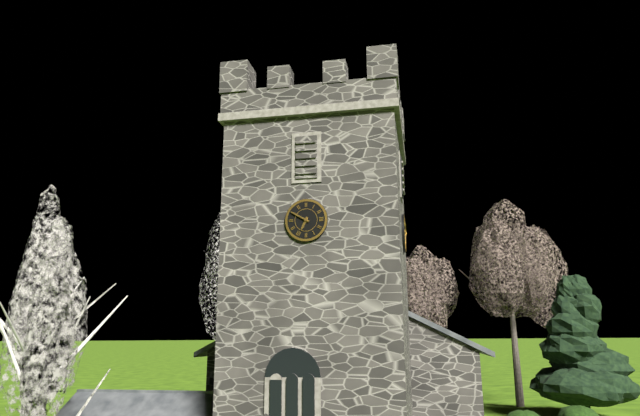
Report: 6:50
